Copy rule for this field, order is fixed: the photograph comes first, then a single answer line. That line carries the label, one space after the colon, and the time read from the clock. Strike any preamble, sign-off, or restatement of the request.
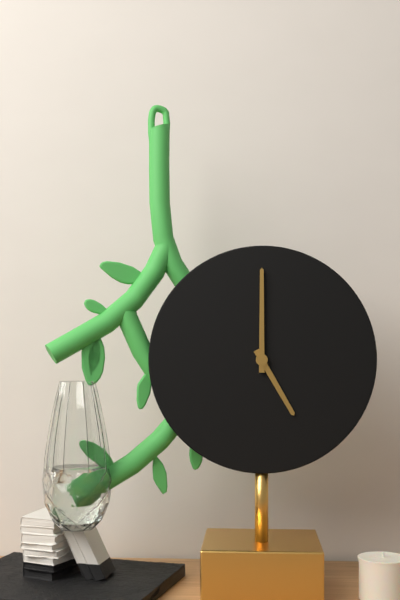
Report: 5:00
